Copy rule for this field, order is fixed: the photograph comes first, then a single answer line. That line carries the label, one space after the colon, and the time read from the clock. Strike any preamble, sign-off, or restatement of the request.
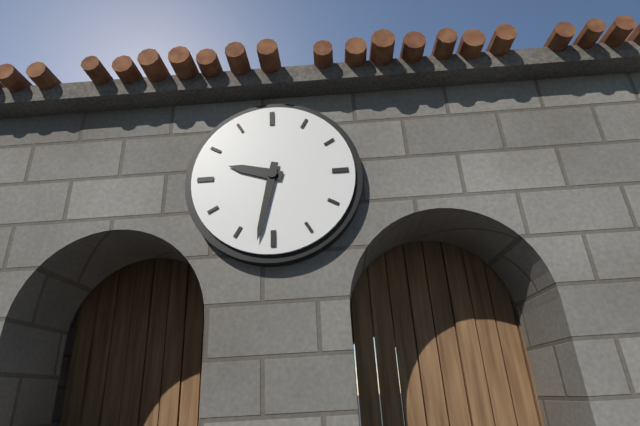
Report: 9:32
